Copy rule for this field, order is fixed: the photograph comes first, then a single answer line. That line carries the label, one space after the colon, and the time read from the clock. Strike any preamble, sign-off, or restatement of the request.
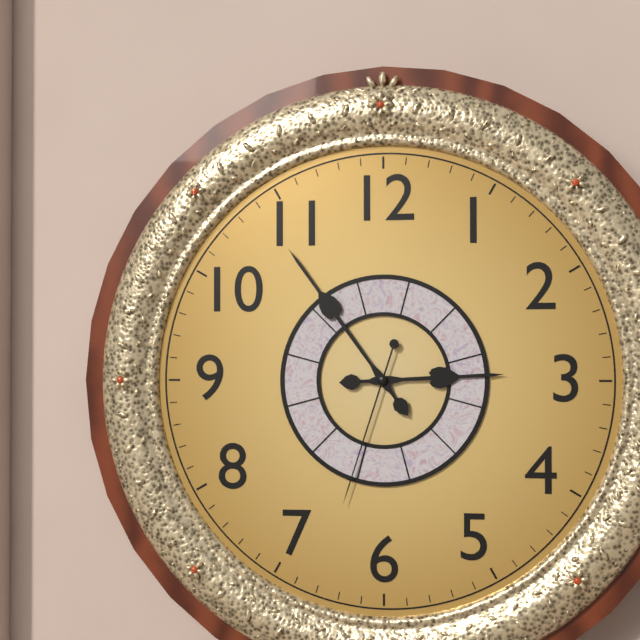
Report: 2:54:33
